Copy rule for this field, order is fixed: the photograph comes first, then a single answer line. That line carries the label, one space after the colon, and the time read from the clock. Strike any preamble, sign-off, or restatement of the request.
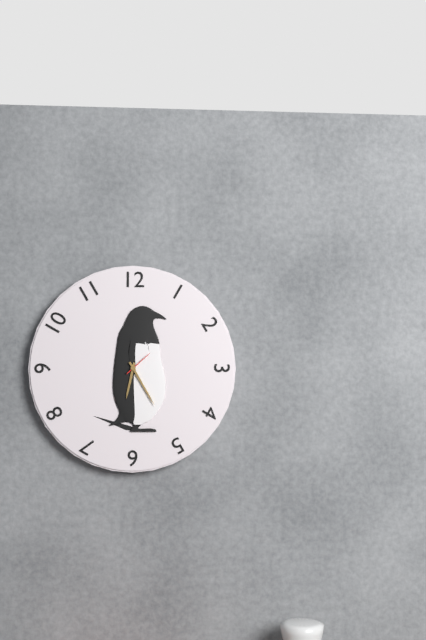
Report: 6:25
